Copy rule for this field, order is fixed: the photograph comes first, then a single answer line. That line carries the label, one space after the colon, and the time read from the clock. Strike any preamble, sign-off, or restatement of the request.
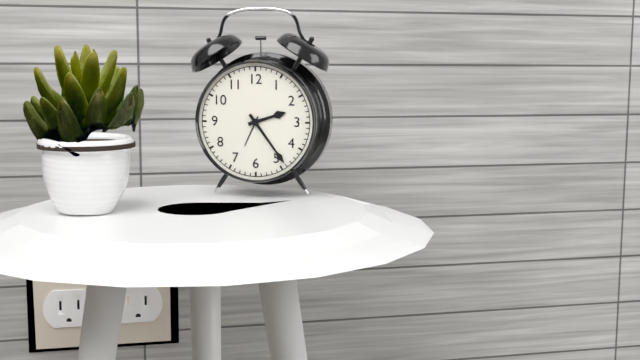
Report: 2:24
